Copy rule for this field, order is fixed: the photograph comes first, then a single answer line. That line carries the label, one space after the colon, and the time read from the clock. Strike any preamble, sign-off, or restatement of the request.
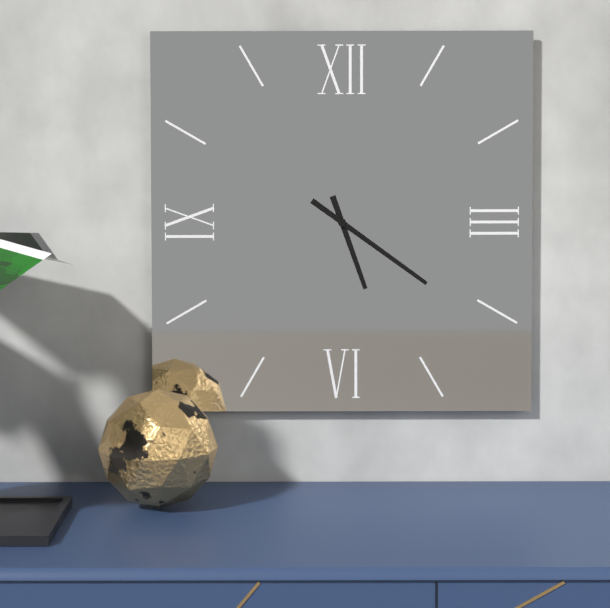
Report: 5:21
